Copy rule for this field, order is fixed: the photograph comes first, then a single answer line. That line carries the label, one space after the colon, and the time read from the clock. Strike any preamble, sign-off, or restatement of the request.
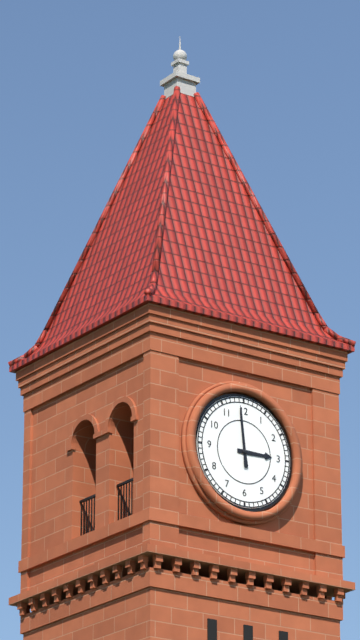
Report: 2:59
